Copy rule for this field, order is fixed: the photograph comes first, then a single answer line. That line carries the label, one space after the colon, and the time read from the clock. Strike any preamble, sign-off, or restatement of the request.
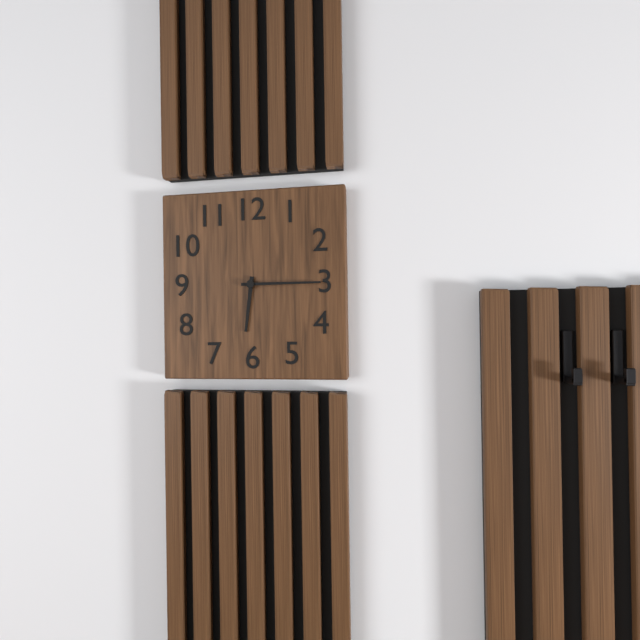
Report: 6:15
